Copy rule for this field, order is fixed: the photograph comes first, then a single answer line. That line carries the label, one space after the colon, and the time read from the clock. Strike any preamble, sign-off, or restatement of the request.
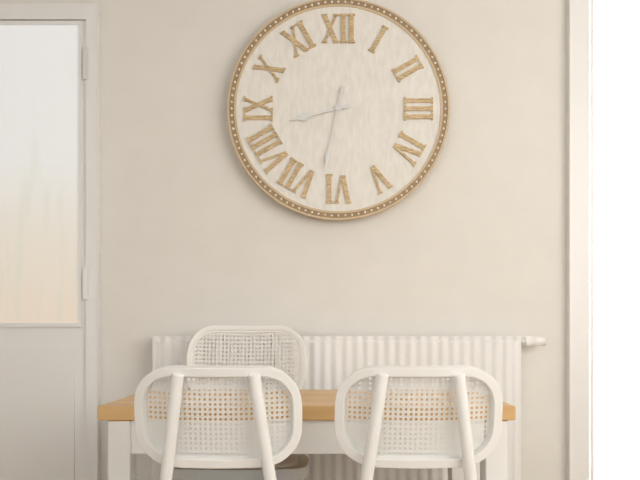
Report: 8:32
